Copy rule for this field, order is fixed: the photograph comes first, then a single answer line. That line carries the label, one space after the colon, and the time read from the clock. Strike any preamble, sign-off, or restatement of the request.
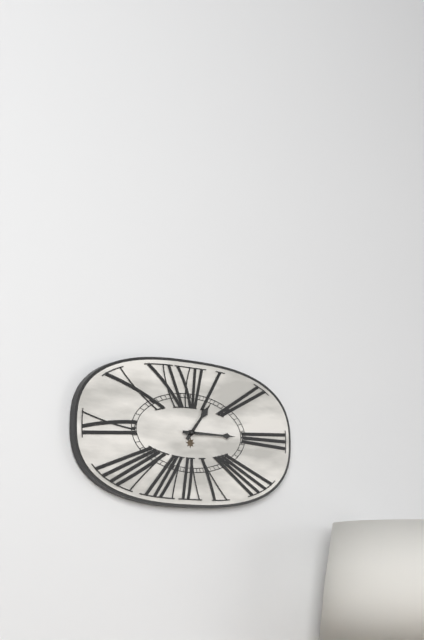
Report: 1:15
